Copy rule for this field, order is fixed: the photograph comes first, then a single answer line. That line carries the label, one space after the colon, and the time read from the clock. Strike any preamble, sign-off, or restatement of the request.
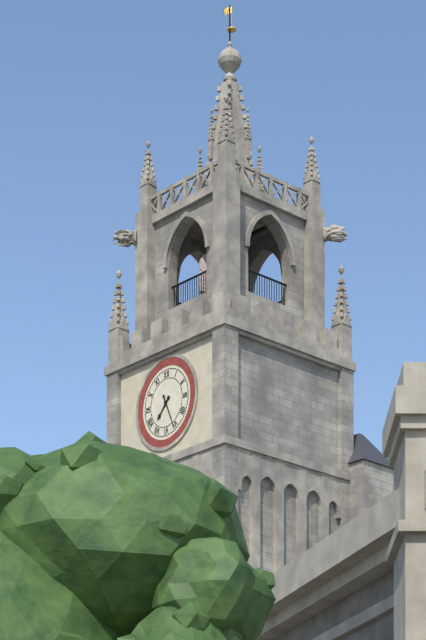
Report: 7:26
